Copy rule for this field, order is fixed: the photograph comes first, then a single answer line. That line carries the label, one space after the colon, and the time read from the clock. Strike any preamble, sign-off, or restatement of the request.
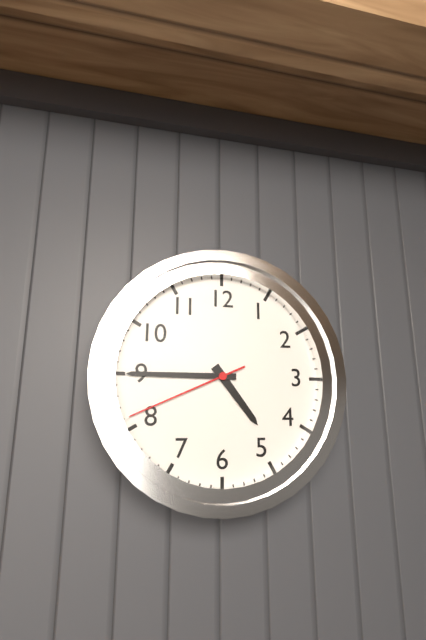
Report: 4:45:41
